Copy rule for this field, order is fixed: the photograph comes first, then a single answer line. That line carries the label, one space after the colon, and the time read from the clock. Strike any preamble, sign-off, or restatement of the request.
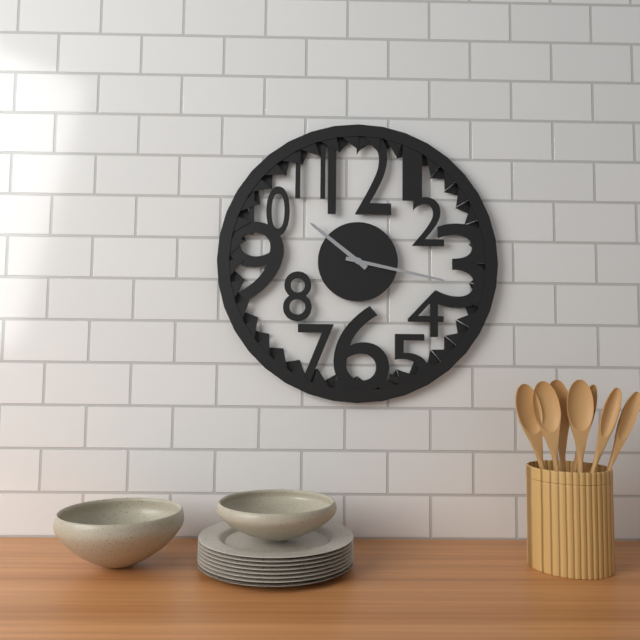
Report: 10:17
